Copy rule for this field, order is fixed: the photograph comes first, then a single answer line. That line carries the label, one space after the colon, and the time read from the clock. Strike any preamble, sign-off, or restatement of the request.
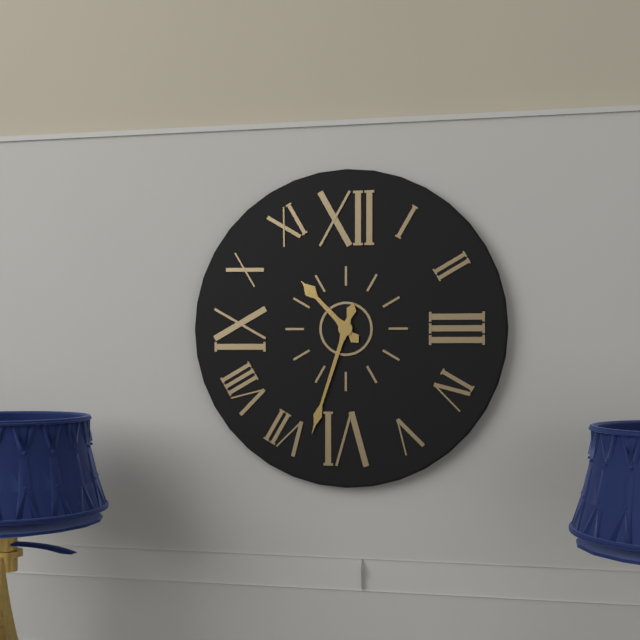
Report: 10:33
